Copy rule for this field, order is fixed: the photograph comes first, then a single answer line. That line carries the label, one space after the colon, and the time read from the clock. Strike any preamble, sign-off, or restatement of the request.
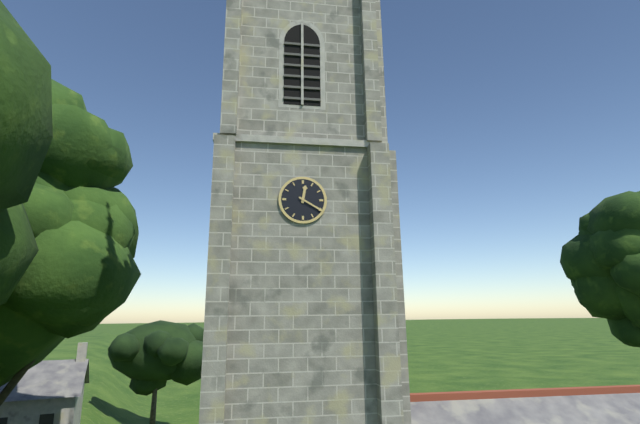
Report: 12:20
